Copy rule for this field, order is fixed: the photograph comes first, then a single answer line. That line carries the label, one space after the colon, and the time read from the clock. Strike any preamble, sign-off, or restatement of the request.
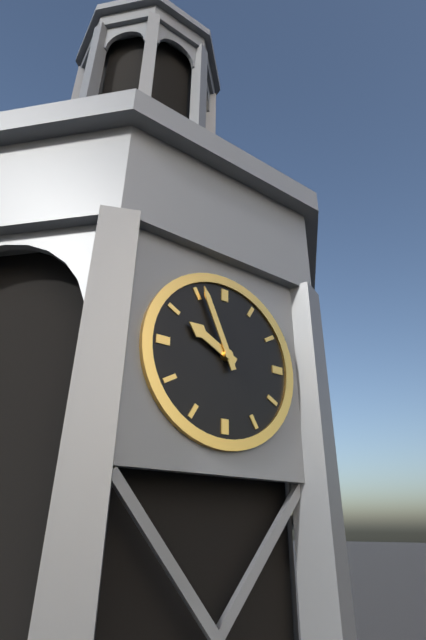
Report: 9:56
